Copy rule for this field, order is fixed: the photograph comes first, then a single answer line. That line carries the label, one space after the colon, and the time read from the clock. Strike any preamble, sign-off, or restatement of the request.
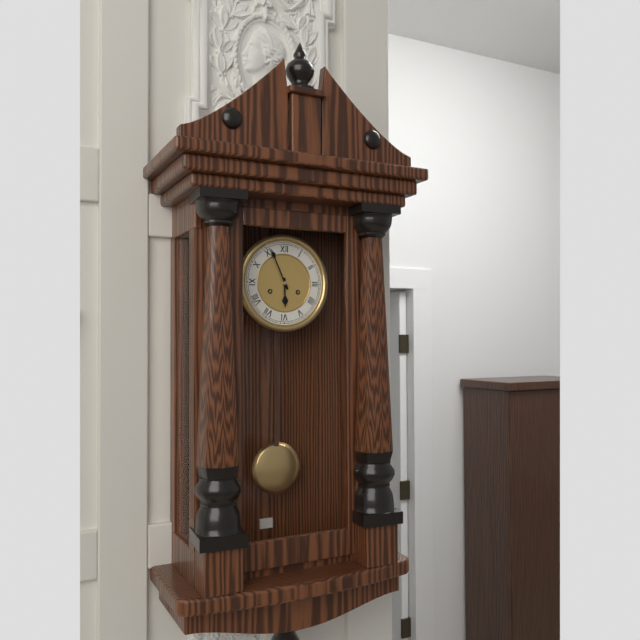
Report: 5:56
